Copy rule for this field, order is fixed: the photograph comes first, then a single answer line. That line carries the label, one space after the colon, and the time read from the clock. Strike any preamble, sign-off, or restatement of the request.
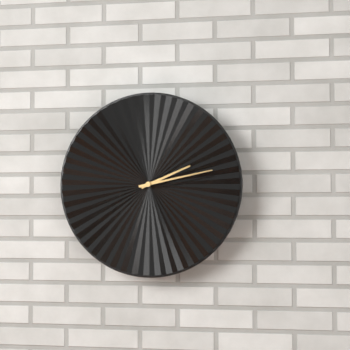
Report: 2:13
